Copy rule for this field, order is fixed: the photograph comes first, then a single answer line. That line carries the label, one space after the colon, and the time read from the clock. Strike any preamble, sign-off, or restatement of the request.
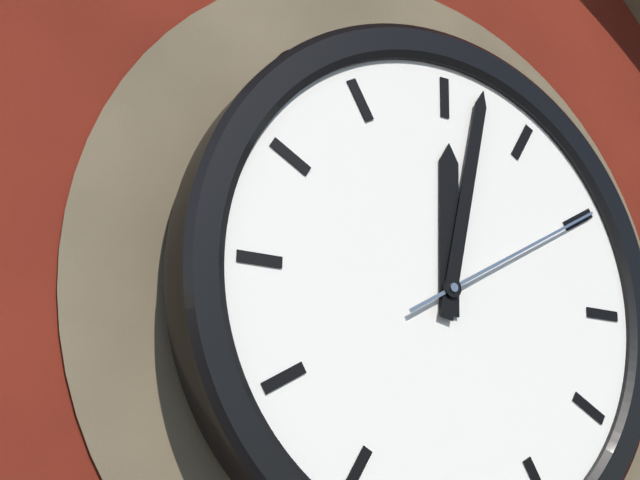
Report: 12:02:10
